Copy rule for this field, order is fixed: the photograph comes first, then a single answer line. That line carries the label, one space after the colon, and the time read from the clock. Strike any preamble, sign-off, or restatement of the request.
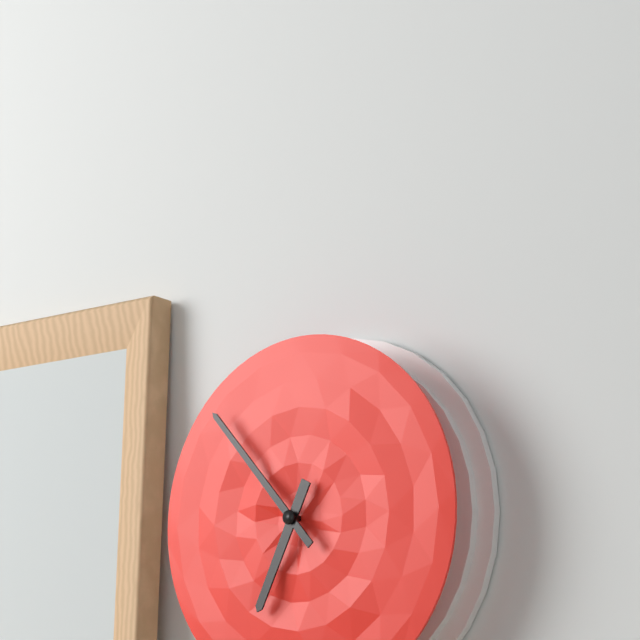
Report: 6:53
